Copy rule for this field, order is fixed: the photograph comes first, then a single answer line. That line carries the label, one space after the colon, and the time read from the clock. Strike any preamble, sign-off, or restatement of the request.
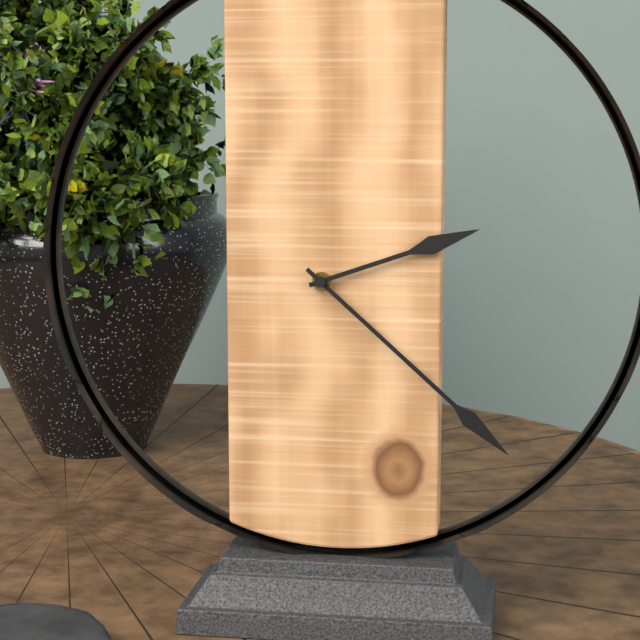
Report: 2:22
